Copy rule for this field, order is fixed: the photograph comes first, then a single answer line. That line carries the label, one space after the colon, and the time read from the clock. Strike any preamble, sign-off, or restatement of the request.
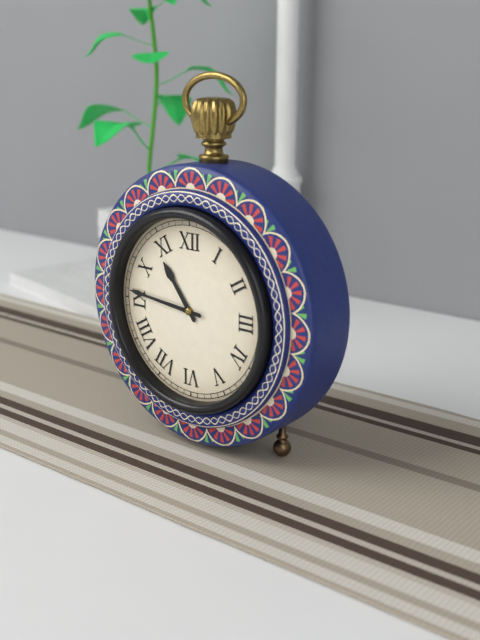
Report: 10:46
